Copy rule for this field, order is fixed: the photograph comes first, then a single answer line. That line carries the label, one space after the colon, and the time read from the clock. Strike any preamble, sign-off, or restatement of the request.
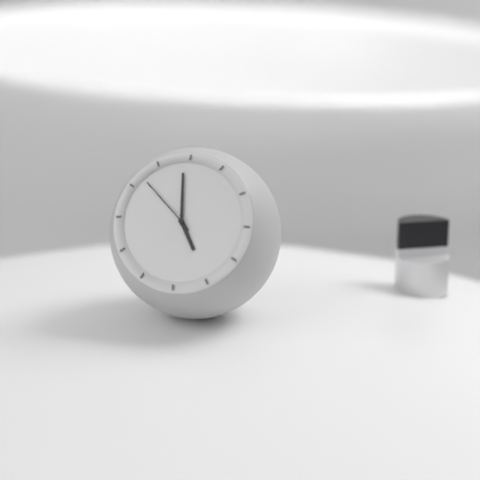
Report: 4:59:52
